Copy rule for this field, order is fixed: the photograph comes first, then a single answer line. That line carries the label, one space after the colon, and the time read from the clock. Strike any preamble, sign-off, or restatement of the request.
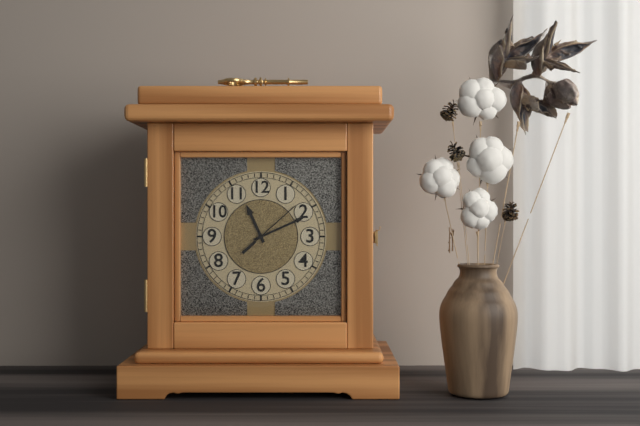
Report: 11:11:08
